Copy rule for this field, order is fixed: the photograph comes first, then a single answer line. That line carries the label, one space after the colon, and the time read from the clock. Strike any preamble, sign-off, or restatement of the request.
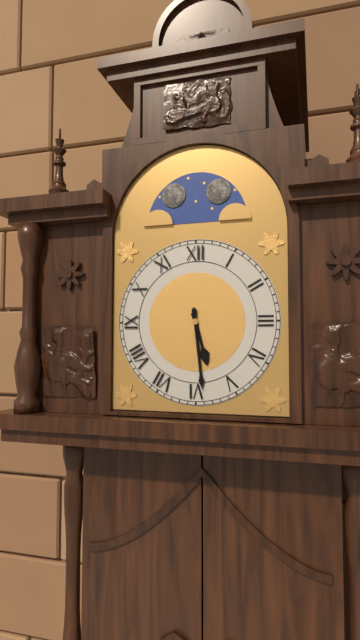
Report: 5:29
